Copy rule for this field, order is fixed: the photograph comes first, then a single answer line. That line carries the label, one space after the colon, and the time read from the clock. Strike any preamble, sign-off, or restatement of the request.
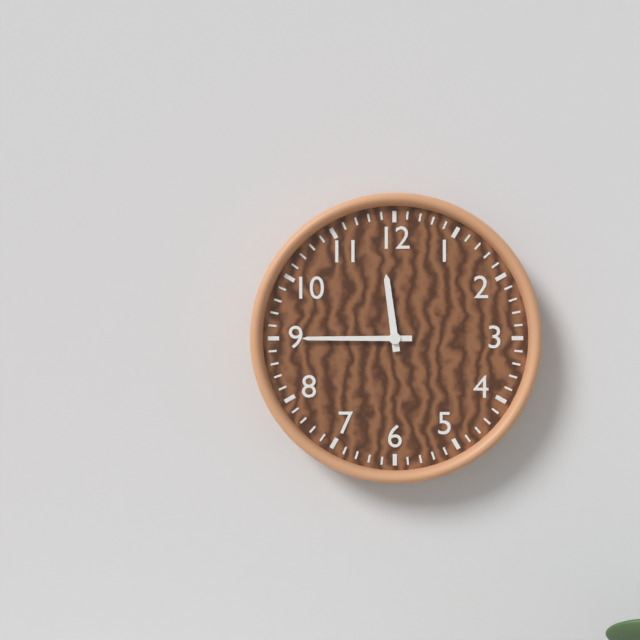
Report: 11:45
